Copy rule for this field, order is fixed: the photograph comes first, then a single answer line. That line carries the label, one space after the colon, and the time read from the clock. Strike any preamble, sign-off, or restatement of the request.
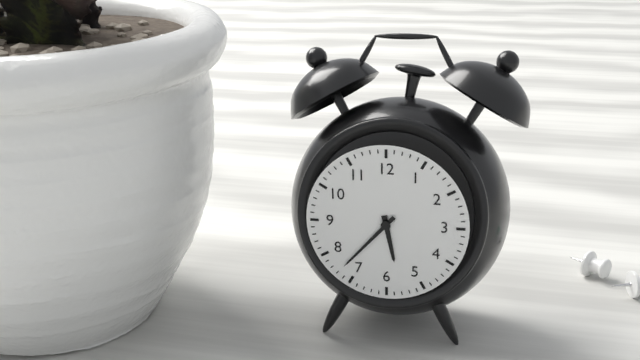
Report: 5:37
